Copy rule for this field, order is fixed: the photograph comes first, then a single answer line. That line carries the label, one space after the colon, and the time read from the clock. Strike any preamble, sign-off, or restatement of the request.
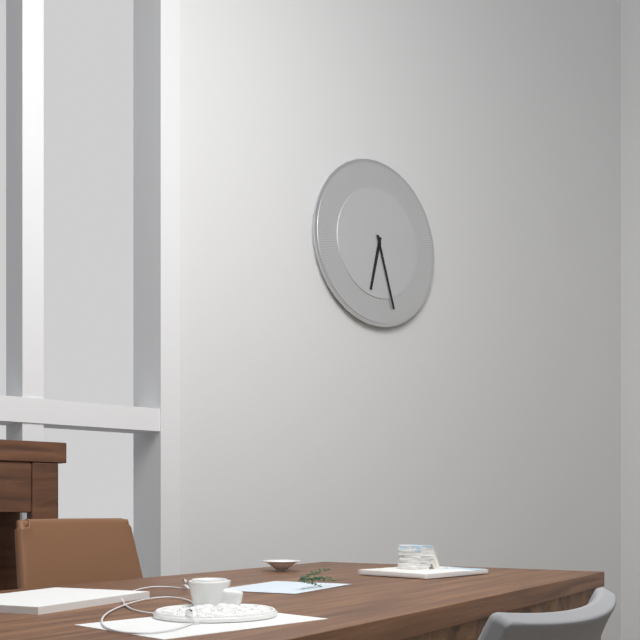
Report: 6:27
